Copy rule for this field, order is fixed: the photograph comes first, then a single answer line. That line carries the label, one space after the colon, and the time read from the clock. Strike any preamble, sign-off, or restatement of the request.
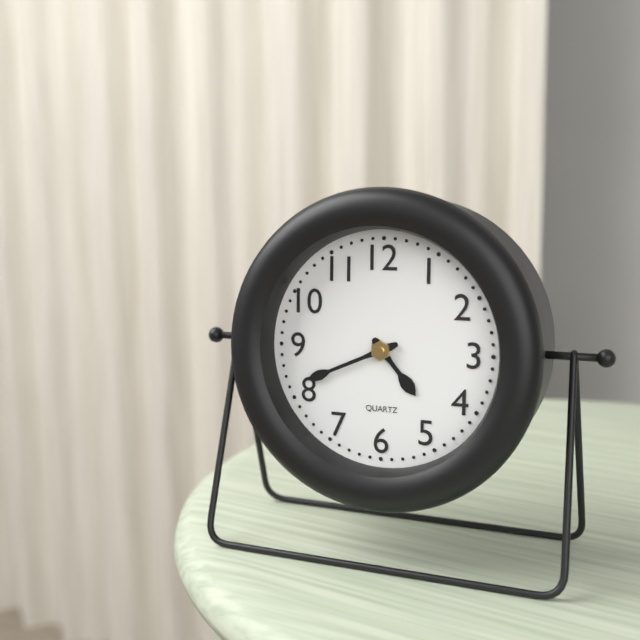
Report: 4:41
